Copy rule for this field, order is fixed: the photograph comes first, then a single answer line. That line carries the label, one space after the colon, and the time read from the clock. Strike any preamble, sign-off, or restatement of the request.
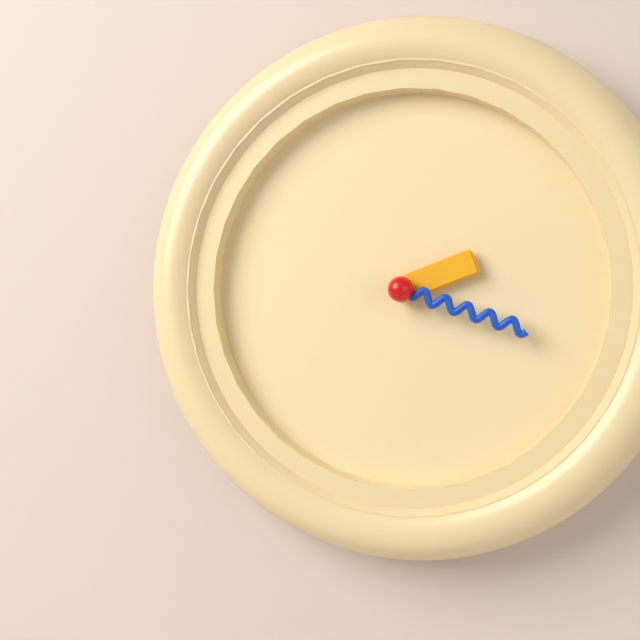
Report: 2:18
